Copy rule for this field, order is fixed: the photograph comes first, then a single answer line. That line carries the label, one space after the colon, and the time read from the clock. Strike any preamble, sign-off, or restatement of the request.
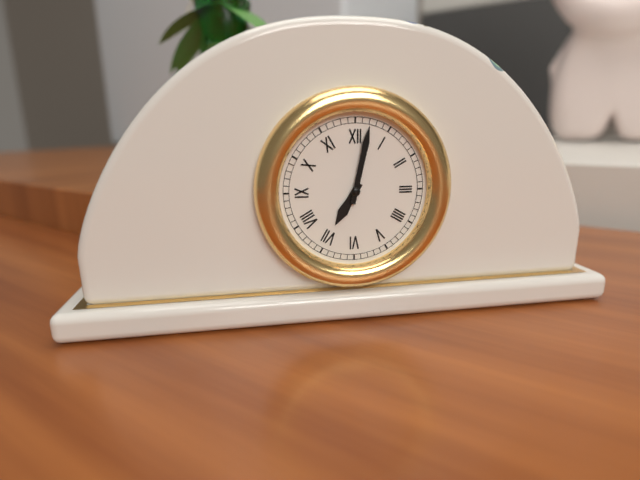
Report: 7:02
